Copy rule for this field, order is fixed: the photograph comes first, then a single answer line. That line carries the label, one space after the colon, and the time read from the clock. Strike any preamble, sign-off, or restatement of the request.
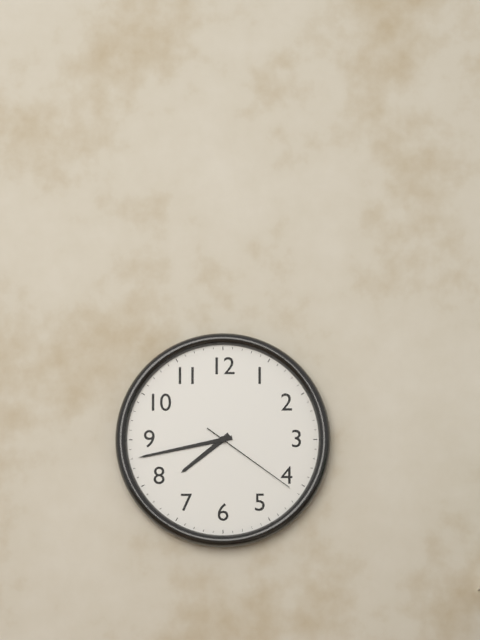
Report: 7:43:21
